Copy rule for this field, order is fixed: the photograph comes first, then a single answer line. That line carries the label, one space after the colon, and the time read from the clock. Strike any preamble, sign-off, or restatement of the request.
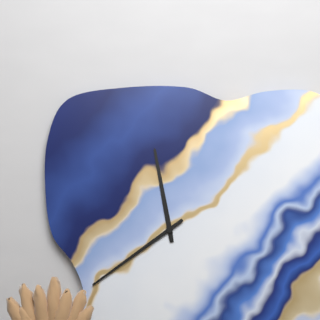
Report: 11:39
